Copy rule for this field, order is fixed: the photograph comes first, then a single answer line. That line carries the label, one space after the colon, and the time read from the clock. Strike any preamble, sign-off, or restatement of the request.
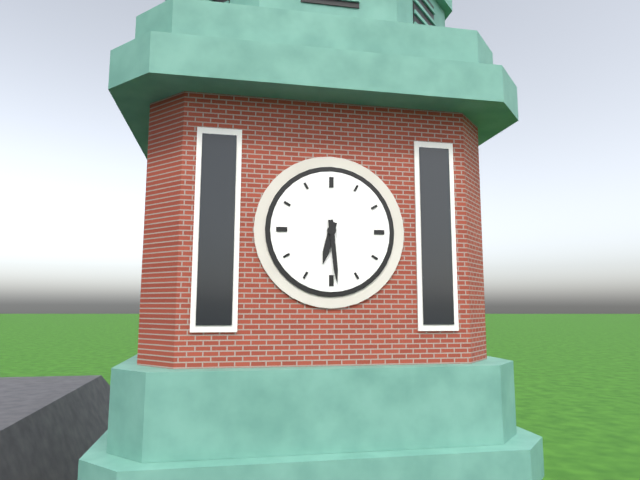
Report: 6:29
